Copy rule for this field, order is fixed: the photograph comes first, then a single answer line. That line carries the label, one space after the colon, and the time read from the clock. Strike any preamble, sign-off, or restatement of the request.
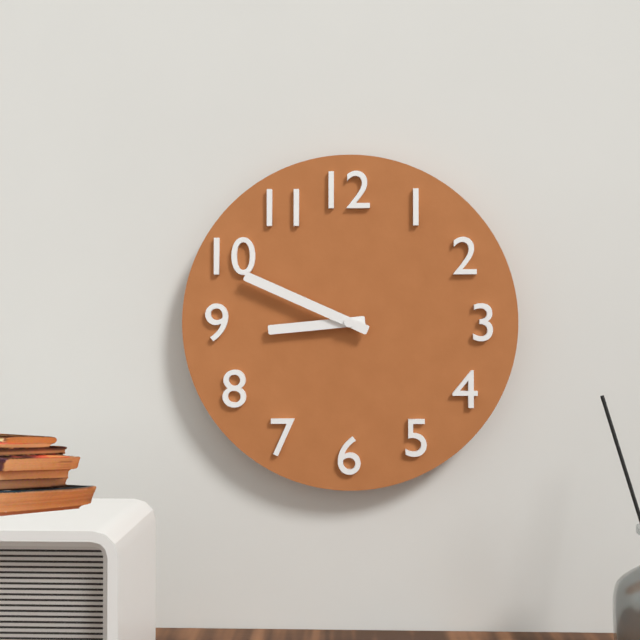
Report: 8:49
